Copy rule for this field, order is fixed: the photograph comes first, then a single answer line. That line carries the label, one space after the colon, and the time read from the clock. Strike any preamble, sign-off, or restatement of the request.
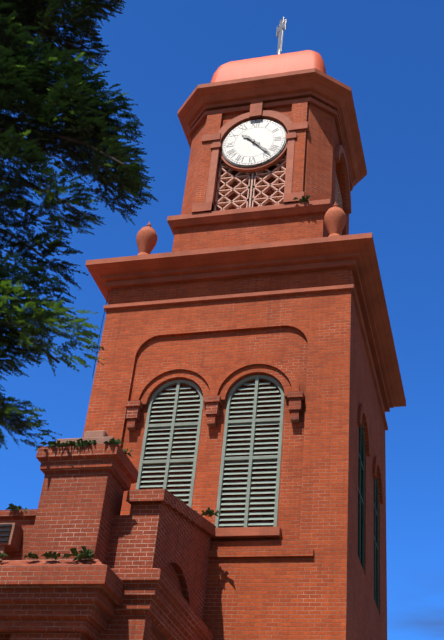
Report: 10:23
